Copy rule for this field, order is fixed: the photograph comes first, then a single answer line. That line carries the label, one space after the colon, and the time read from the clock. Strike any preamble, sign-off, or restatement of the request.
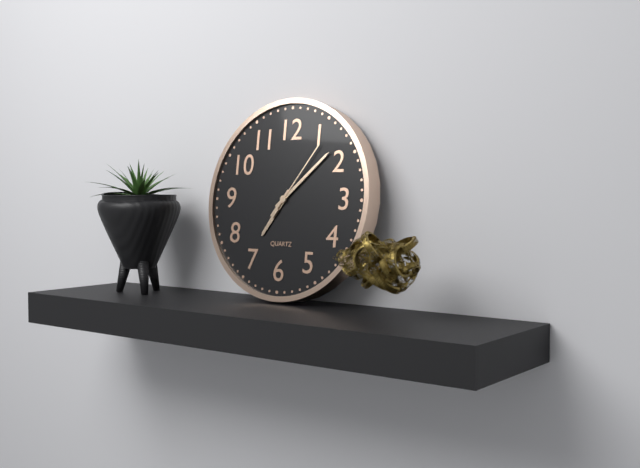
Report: 7:08:06
